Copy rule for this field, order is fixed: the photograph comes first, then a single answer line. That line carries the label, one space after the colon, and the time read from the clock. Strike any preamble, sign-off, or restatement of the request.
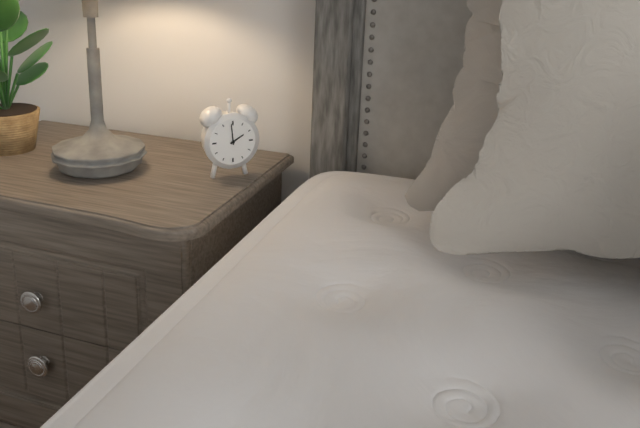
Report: 1:59
